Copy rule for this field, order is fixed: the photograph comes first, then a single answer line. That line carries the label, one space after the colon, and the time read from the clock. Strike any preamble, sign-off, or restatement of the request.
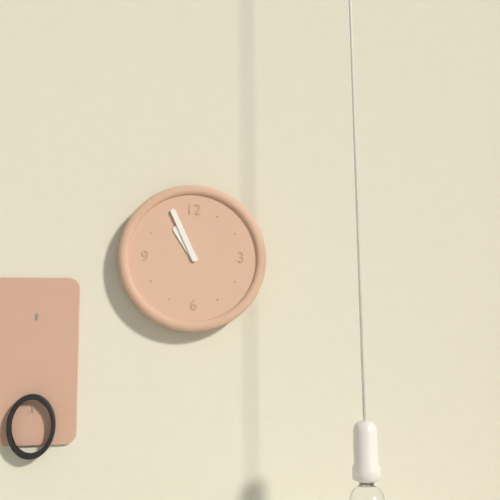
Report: 10:56
